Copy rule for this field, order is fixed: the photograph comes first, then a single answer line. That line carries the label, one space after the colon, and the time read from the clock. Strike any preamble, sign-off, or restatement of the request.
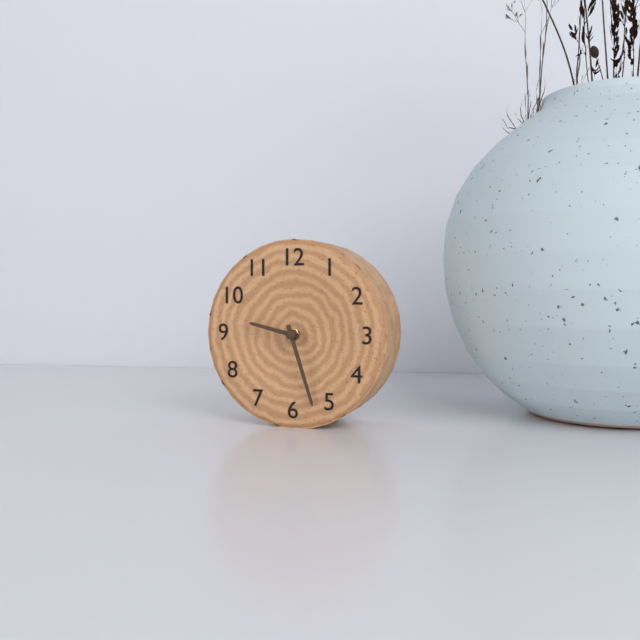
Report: 9:27
